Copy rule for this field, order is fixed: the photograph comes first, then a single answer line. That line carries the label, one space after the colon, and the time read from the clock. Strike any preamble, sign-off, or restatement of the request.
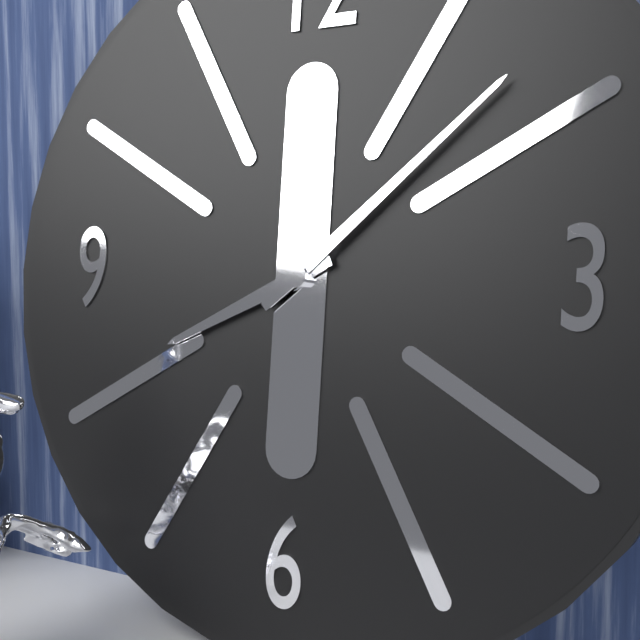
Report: 8:08
